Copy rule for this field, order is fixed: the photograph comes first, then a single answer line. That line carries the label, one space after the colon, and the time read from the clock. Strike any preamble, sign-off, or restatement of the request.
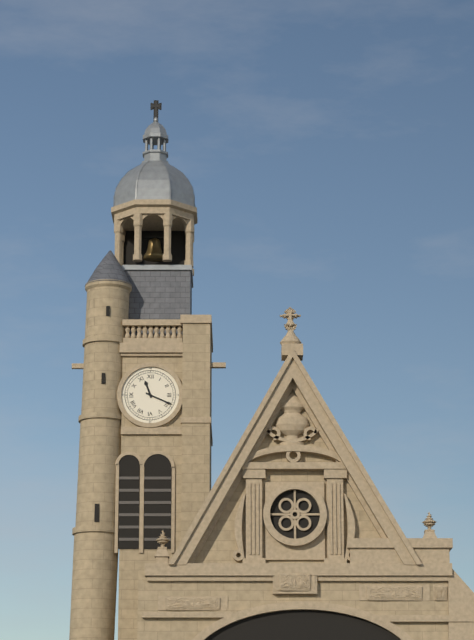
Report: 11:19
